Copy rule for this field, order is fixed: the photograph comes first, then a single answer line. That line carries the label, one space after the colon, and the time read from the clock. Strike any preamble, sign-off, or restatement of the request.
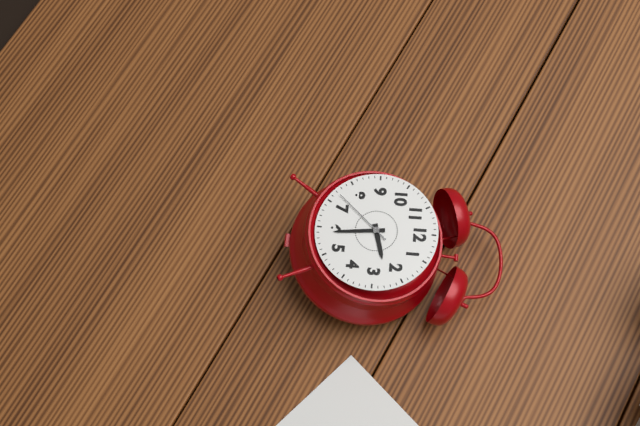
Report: 2:29:37
